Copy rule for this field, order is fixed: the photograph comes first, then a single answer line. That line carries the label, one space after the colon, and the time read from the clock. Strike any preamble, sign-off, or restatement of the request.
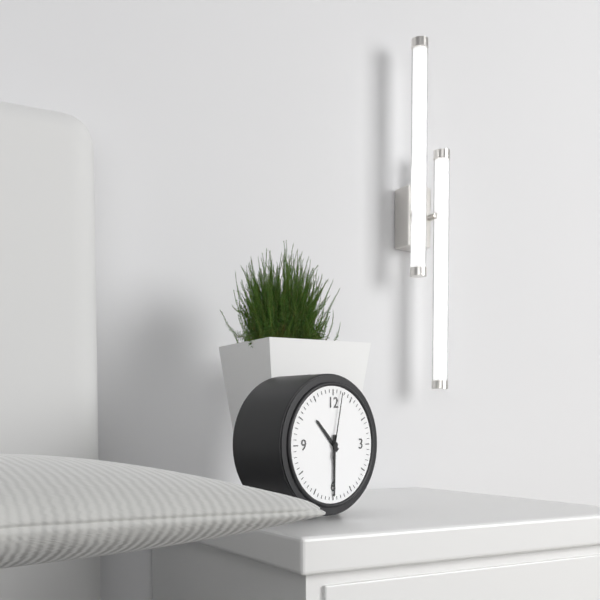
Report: 10:30:02
